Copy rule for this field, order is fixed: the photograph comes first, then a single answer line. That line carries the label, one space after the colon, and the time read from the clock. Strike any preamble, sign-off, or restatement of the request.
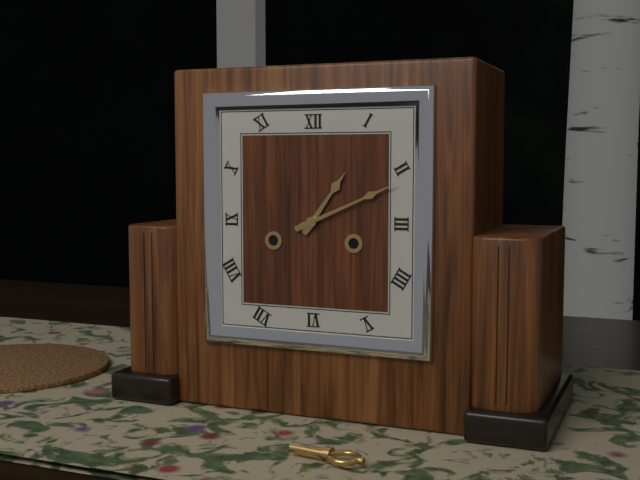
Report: 1:11
